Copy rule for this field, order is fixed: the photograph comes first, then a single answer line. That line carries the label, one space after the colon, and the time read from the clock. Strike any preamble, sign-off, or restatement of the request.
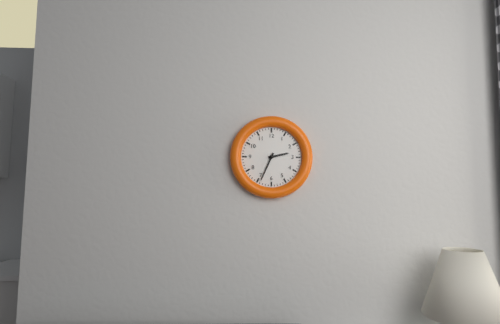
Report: 2:34
